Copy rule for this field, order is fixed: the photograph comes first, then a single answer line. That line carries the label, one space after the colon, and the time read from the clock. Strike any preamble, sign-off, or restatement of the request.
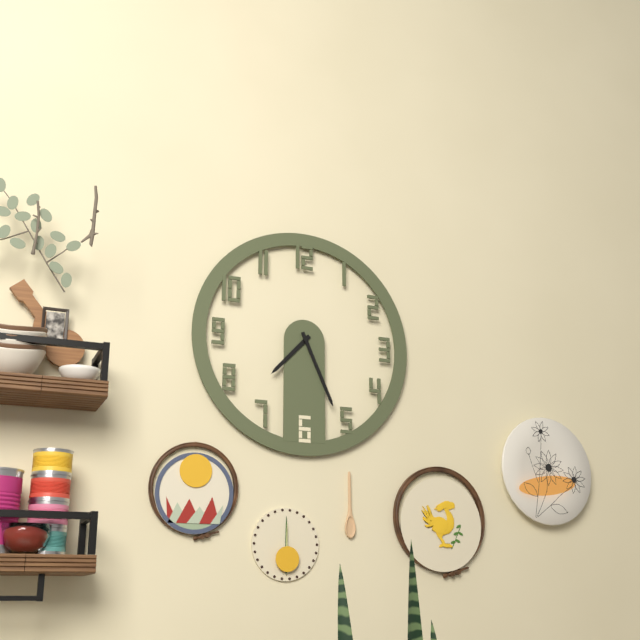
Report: 7:26
